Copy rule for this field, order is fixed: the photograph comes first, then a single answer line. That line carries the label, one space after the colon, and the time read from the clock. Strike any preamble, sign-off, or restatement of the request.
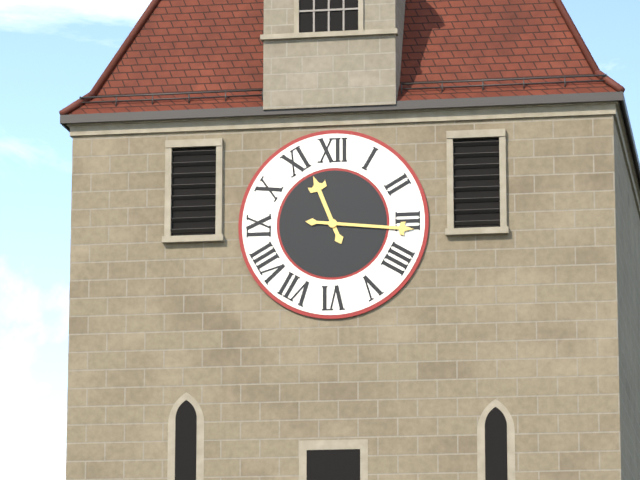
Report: 11:16
